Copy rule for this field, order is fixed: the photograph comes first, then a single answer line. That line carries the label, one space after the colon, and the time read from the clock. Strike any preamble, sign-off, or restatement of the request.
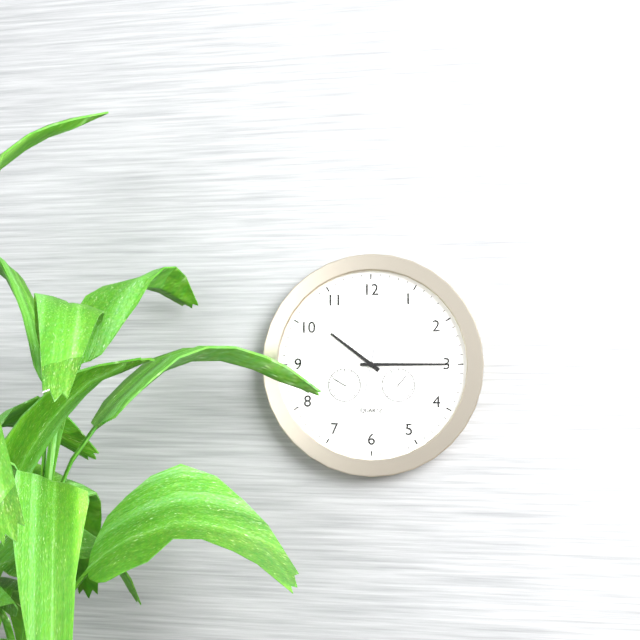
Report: 10:15:32
